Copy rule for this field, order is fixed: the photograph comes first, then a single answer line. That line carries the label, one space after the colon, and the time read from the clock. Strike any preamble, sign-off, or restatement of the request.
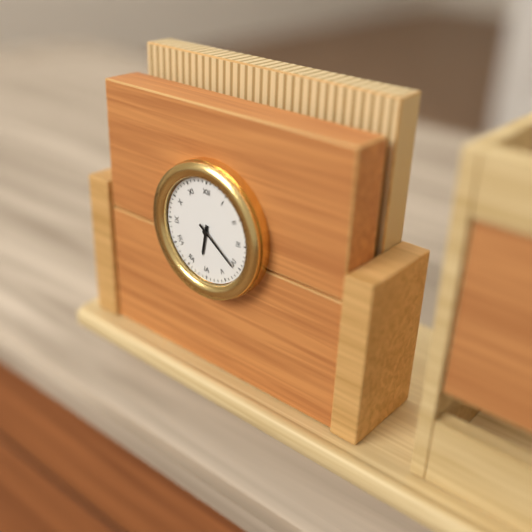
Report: 6:21
